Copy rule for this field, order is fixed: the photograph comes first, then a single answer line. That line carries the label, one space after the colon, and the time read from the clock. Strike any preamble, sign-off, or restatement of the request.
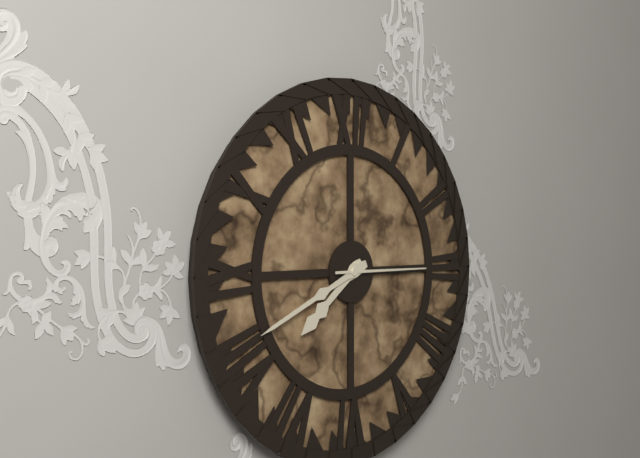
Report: 7:41:15
